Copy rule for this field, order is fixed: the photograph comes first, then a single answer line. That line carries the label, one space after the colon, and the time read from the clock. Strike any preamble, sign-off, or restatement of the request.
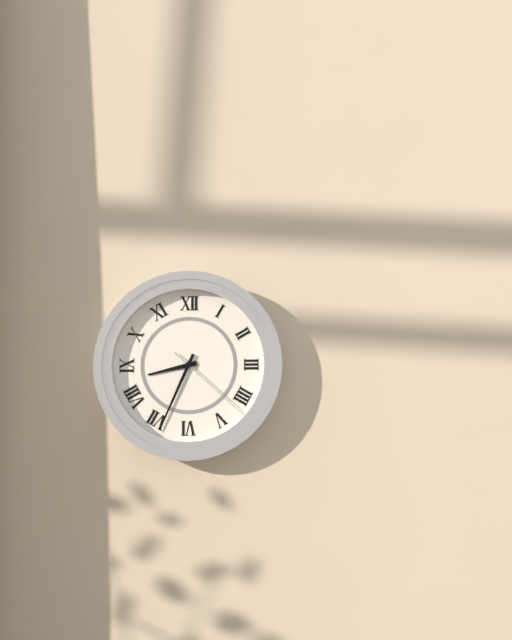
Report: 8:34:22
